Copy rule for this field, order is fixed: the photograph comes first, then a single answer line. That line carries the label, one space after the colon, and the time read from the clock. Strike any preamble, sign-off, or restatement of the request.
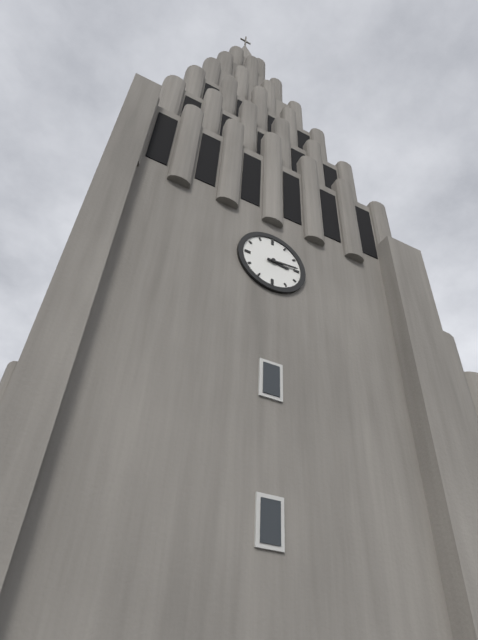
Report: 3:14
